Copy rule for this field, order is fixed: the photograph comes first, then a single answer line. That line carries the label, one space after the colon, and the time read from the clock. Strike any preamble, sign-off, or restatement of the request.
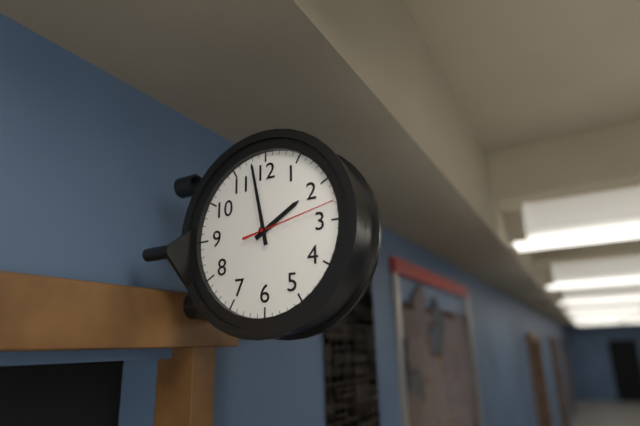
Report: 1:58:13
